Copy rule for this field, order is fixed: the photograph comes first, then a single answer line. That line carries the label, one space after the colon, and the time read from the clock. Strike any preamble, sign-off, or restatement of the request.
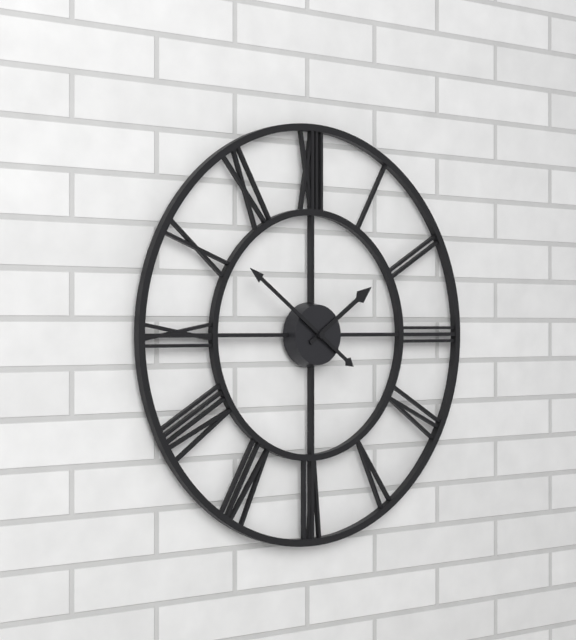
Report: 1:51
